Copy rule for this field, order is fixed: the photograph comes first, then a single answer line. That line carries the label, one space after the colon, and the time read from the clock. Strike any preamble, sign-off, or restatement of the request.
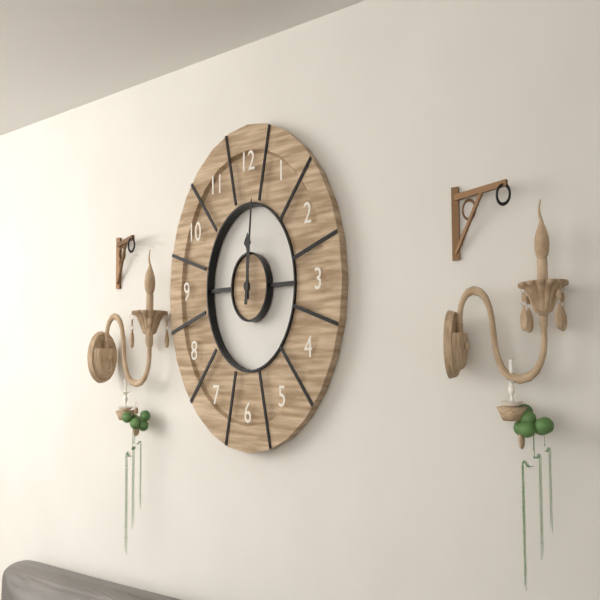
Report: 12:01
